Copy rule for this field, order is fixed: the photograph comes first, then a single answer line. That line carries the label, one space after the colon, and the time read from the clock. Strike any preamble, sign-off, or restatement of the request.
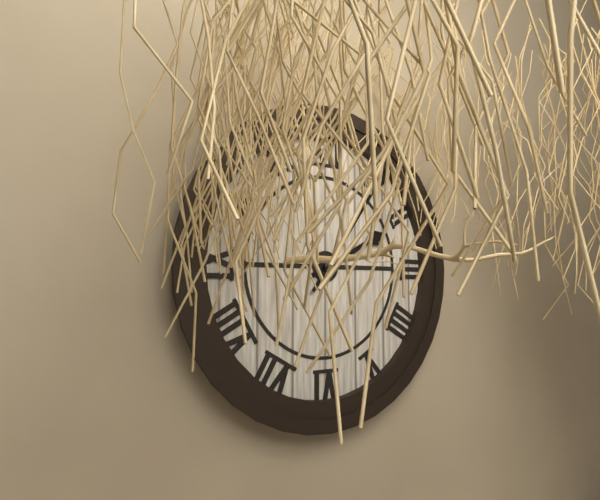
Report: 2:06
